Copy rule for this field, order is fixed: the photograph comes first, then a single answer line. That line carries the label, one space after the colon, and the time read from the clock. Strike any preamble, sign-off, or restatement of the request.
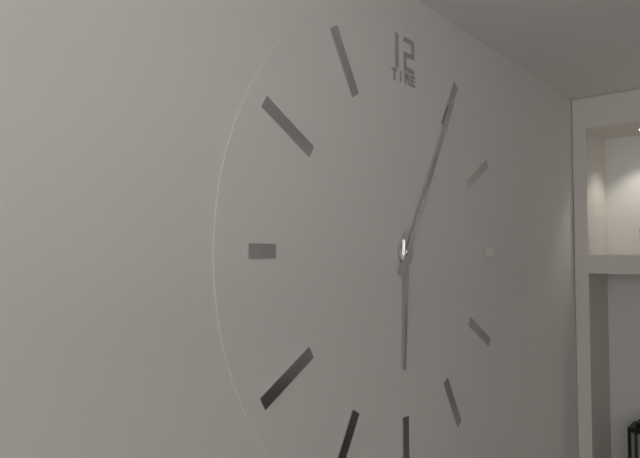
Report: 6:05
